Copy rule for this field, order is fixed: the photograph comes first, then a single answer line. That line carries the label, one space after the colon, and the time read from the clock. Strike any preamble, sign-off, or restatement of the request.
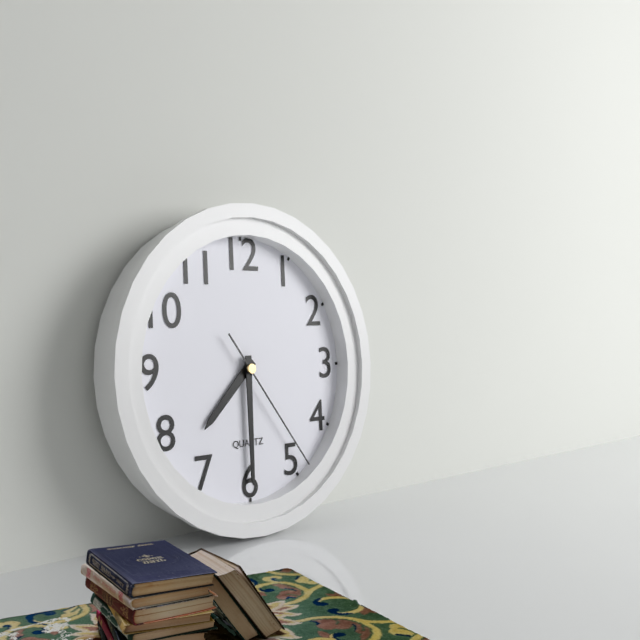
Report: 7:30:24
